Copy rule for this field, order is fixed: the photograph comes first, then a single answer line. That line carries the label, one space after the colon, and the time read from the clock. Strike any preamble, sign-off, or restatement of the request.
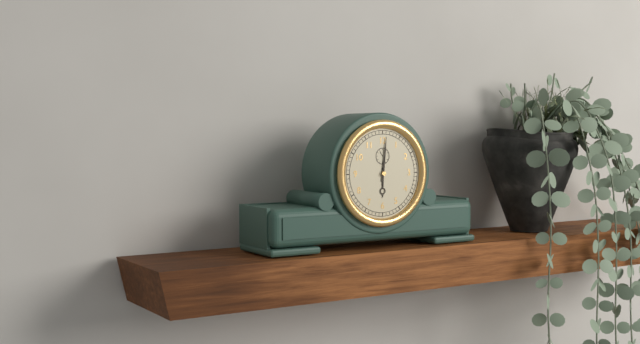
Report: 6:01
